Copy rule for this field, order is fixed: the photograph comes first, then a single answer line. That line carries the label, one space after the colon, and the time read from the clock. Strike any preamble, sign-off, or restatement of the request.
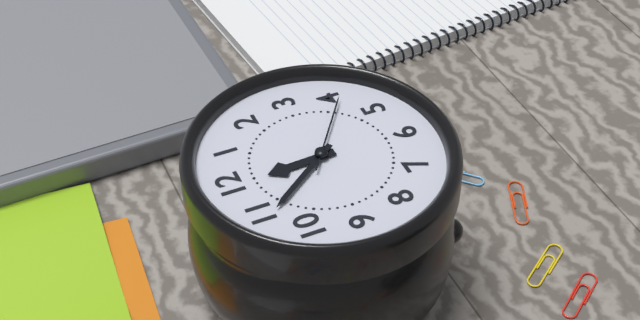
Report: 11:54:21
